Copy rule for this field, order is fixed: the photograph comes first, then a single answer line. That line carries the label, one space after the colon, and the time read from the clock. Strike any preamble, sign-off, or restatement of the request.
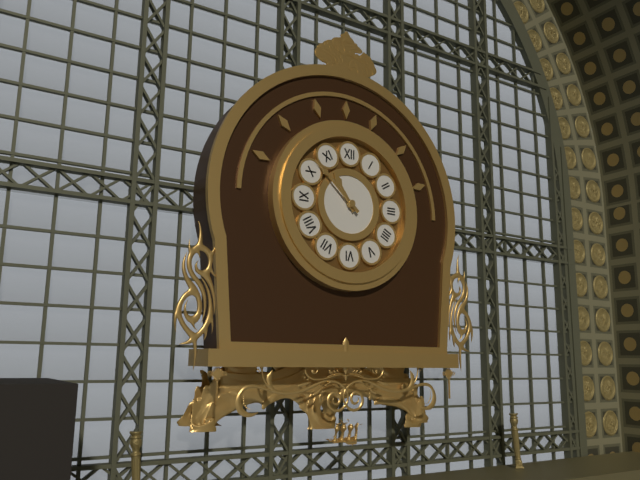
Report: 10:52
